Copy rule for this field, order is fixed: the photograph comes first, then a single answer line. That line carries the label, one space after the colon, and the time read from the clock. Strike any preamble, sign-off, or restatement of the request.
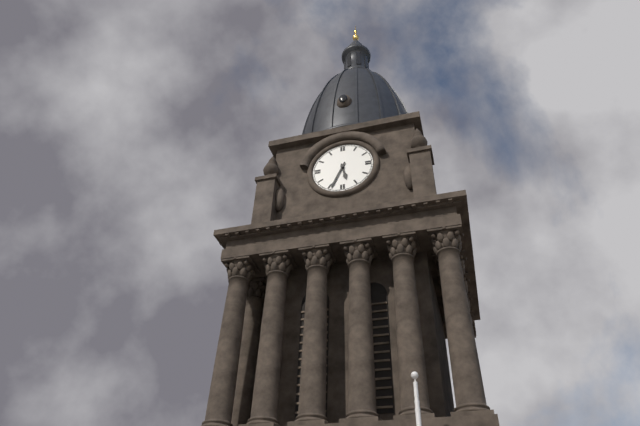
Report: 5:34
